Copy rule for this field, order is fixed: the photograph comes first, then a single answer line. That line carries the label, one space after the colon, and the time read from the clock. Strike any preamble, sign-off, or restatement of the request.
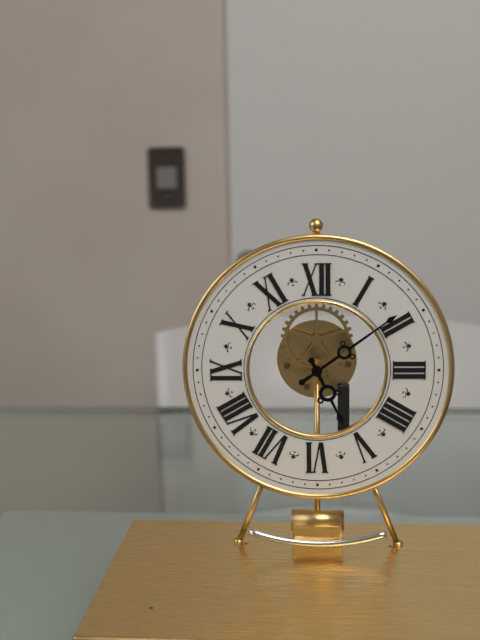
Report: 5:09
